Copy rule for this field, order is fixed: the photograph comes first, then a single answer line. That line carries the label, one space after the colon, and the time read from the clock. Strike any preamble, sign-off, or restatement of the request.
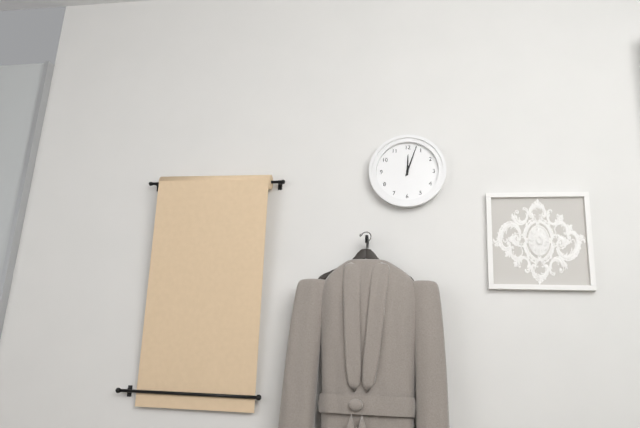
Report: 12:03
